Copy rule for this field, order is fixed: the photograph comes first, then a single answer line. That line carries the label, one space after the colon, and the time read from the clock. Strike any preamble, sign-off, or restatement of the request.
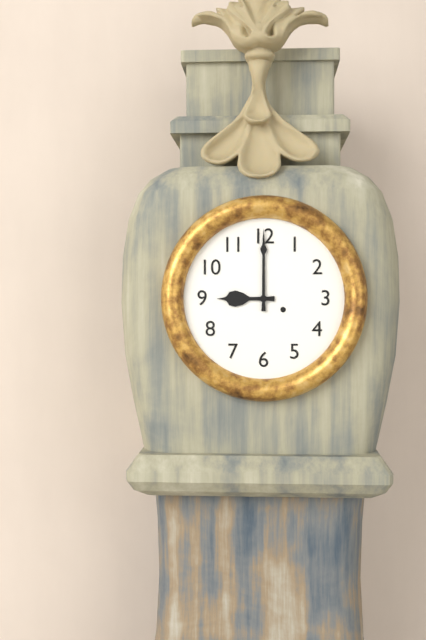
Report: 9:00
